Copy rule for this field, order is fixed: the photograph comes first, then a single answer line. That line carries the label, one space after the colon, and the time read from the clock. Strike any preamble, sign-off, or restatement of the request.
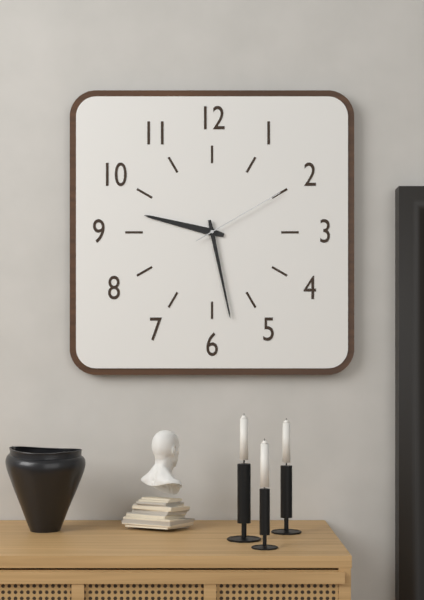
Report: 9:28:10
